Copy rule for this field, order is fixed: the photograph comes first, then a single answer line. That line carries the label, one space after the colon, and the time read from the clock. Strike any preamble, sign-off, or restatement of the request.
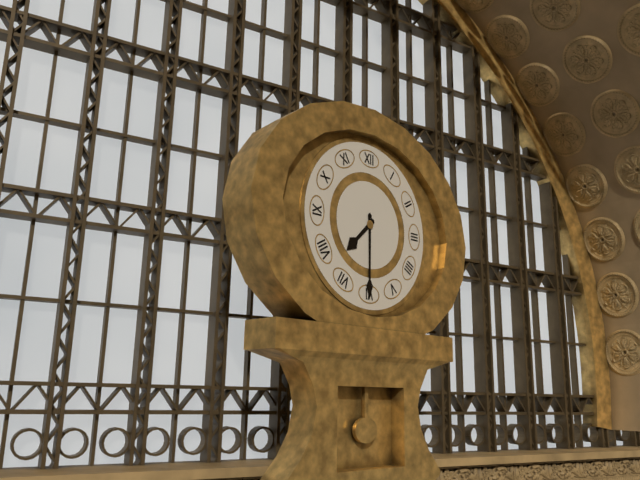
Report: 7:30
